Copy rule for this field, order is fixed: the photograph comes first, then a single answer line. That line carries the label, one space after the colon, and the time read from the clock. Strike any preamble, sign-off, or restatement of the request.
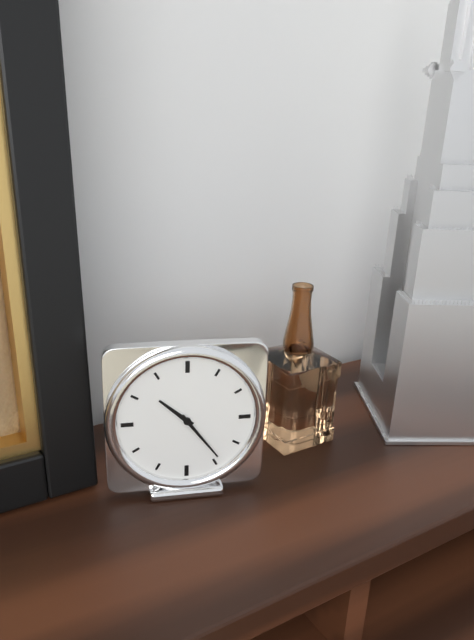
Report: 10:24
